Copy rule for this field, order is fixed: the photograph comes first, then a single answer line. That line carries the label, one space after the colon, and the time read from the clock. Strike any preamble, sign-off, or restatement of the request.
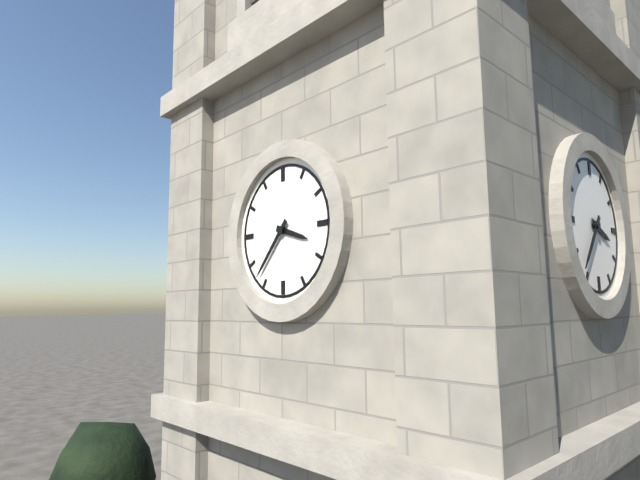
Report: 3:37
